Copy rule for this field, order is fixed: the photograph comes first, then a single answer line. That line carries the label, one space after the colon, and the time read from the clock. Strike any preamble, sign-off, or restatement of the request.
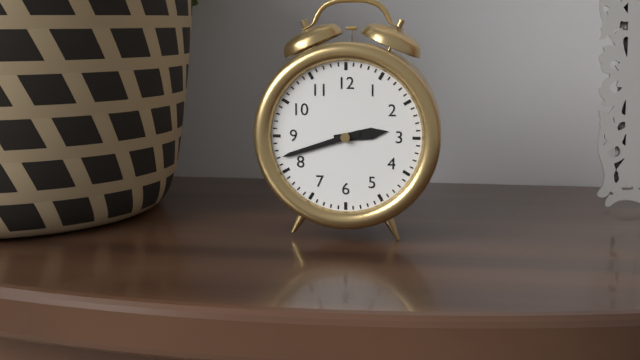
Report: 2:42
